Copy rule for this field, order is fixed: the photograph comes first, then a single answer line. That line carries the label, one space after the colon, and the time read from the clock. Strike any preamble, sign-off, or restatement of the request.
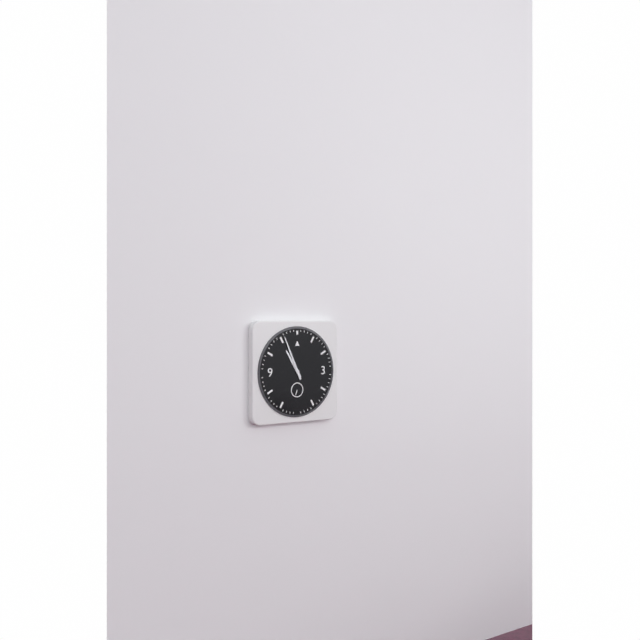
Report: 10:56
